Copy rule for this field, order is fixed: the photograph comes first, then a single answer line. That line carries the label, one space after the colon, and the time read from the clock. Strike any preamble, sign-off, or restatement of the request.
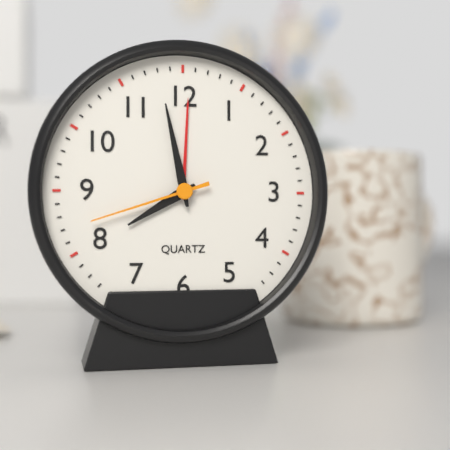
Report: 7:58:42
